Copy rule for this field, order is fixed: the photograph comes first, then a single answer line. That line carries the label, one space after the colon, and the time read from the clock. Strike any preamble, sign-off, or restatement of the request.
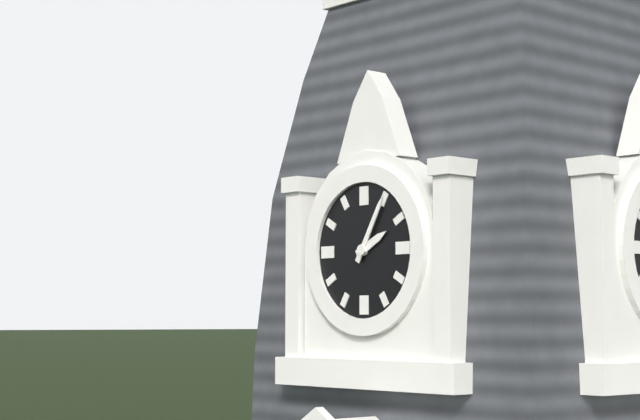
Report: 2:05
